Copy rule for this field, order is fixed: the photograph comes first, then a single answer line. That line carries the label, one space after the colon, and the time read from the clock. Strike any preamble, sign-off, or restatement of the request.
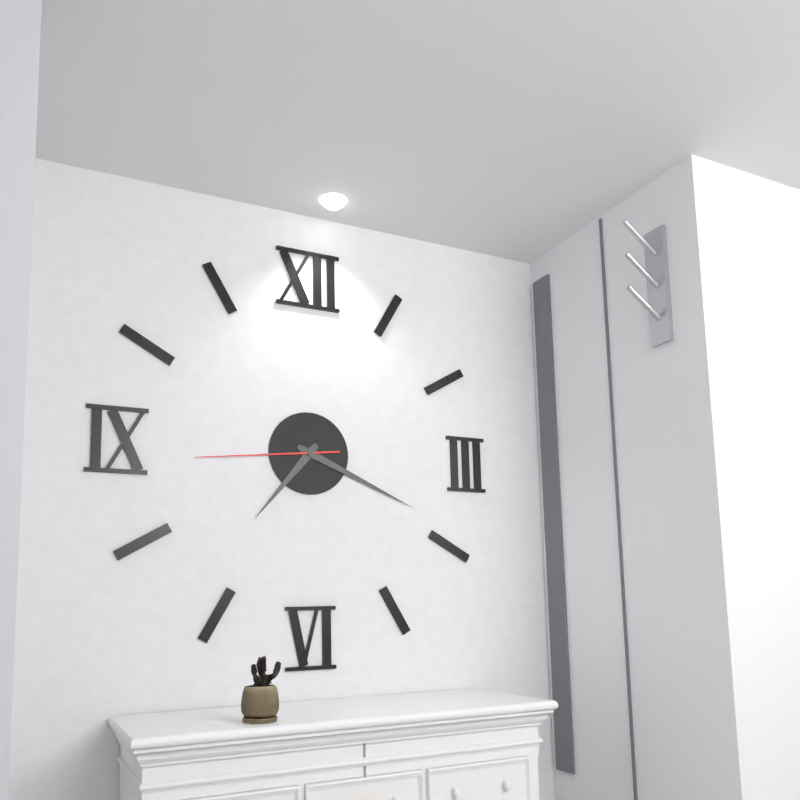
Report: 7:19:44
